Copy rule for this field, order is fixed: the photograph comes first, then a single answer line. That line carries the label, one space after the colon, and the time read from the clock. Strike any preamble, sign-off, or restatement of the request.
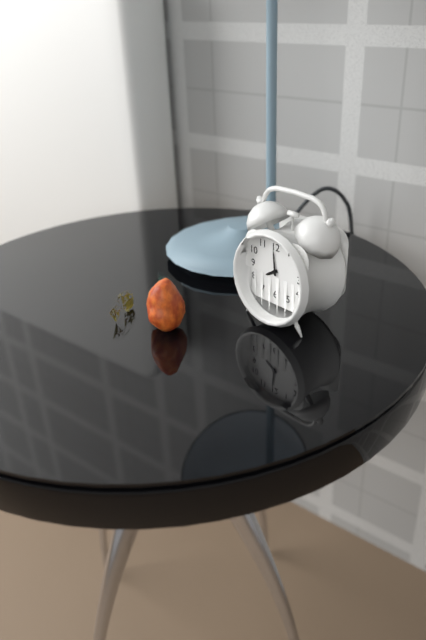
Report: 7:59
